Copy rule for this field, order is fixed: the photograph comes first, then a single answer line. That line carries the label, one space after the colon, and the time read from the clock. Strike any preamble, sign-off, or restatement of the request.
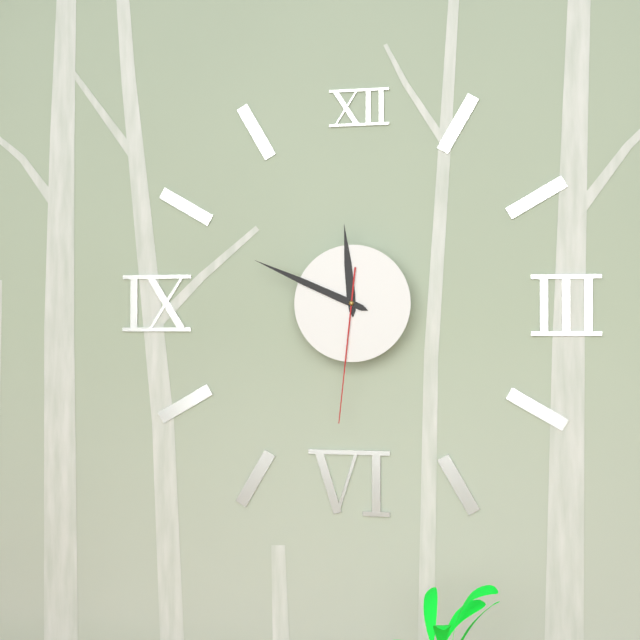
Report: 11:49:31
